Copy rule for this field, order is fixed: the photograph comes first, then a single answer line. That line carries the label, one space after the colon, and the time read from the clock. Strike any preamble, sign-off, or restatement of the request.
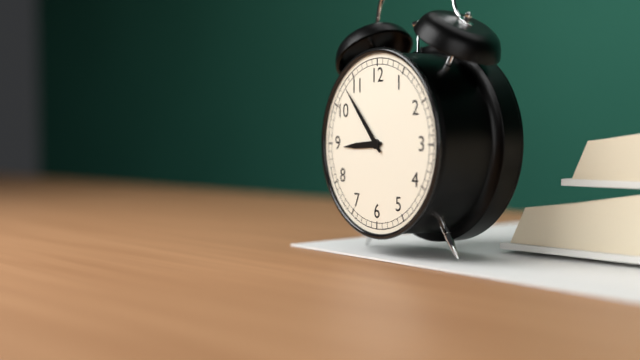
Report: 8:53
